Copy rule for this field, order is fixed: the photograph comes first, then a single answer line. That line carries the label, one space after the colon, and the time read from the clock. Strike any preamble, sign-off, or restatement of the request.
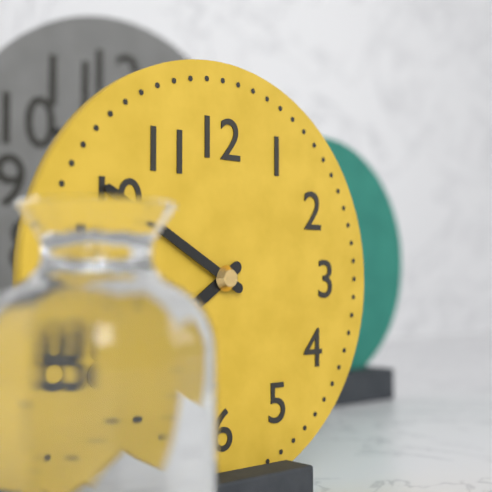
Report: 7:50
